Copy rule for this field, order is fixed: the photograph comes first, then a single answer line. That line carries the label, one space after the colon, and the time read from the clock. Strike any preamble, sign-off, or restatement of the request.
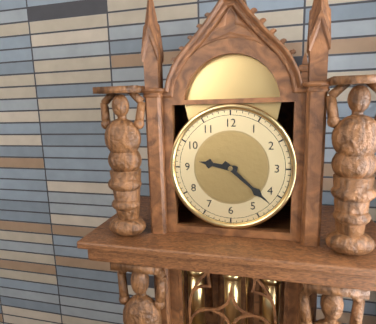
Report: 9:22
